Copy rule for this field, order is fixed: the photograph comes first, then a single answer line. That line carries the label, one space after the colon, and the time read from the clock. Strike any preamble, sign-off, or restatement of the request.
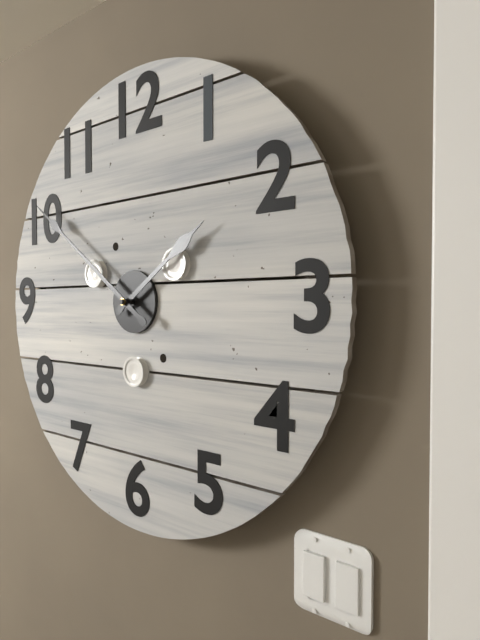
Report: 1:51
